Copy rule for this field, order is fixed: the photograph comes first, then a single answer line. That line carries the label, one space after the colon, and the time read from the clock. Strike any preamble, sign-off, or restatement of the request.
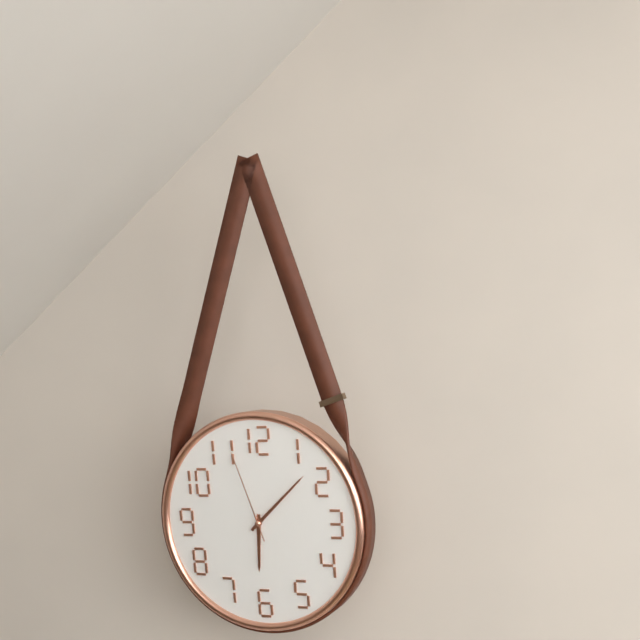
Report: 6:08:57
